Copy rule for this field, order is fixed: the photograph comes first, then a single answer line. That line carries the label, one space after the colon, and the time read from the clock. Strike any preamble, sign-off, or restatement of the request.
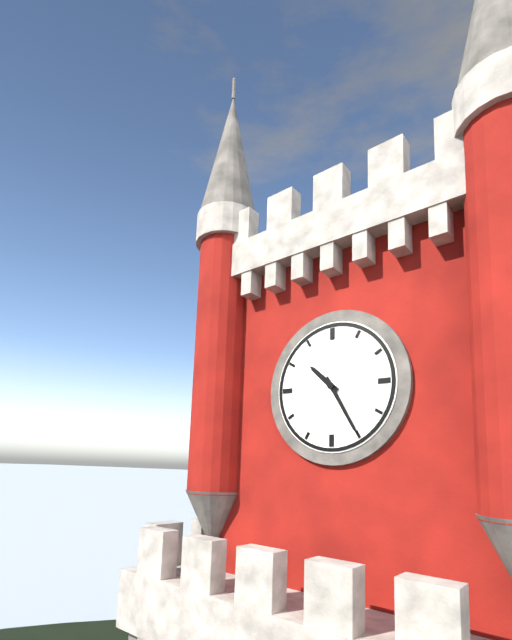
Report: 10:25
